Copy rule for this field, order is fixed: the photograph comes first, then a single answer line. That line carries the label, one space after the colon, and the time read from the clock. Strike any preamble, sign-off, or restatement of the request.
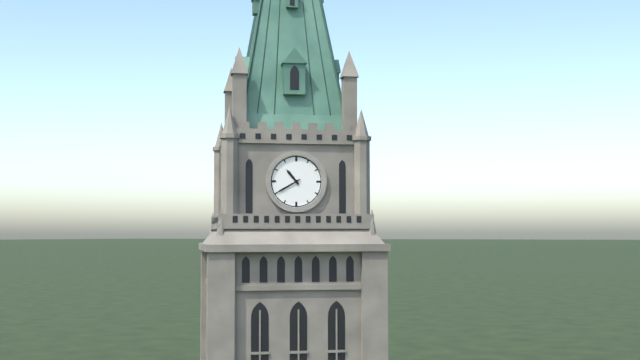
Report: 10:40
